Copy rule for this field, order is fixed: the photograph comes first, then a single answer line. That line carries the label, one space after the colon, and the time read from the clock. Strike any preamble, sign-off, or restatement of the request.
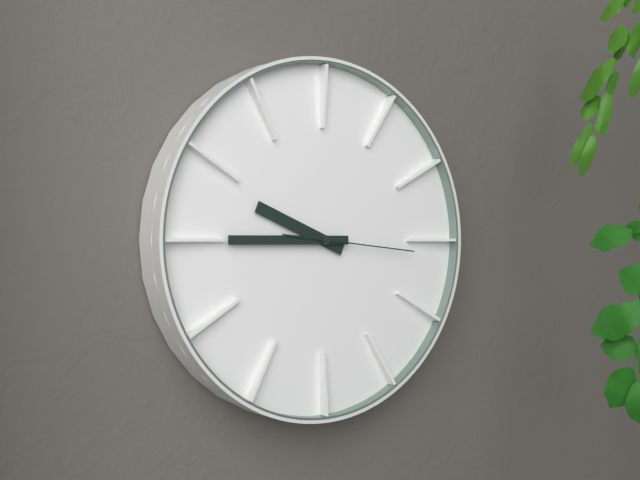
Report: 9:45:16
